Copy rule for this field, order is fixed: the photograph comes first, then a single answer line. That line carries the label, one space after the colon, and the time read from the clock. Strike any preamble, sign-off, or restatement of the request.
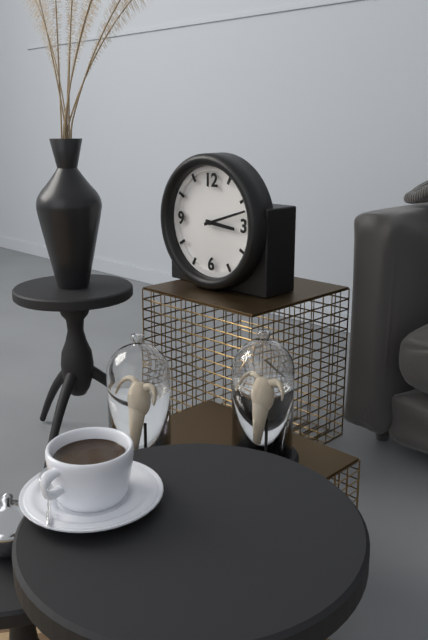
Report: 3:12
